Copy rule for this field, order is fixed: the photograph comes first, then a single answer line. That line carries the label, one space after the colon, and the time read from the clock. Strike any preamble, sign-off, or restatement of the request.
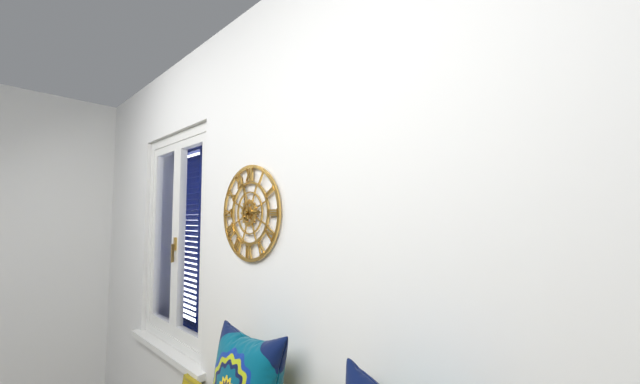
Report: 2:58
